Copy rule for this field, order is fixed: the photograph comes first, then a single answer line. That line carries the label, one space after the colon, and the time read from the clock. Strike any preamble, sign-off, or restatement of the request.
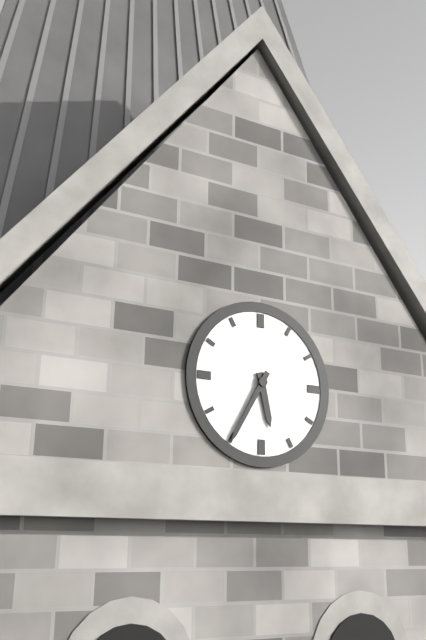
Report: 5:35
